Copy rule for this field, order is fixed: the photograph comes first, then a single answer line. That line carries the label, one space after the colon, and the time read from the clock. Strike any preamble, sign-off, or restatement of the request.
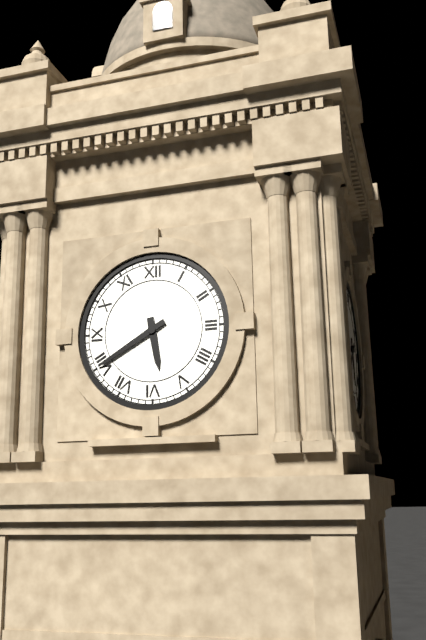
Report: 5:40
